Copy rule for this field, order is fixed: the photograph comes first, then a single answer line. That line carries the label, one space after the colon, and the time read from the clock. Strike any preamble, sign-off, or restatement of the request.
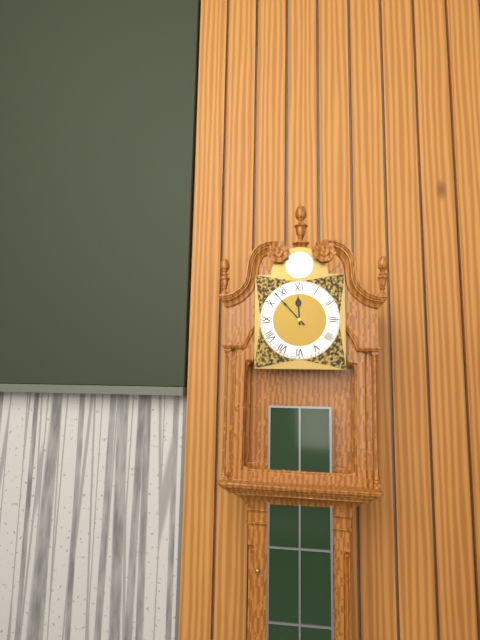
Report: 11:53
